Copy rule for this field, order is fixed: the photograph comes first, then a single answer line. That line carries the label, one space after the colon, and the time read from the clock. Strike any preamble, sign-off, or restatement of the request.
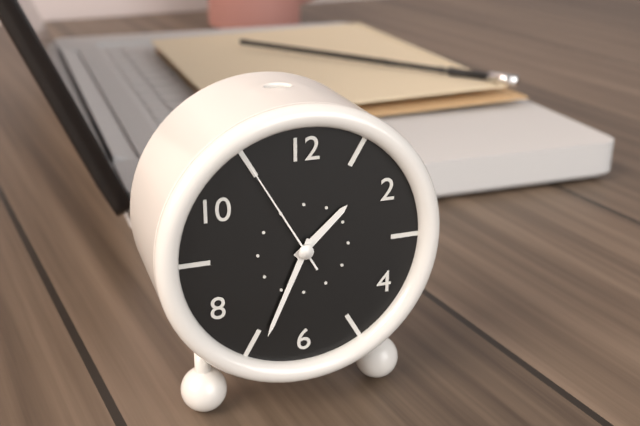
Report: 1:34:55
